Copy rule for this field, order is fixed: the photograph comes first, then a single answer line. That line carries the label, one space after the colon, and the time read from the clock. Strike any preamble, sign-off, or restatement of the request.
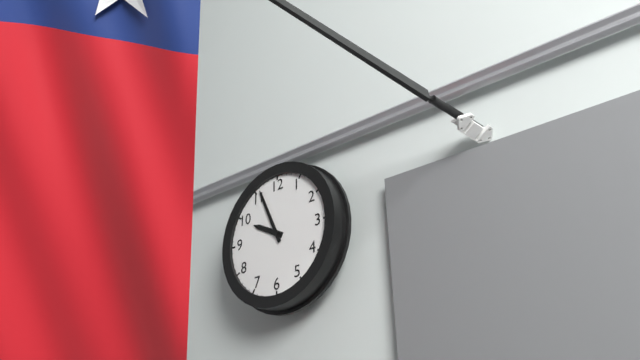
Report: 9:56
